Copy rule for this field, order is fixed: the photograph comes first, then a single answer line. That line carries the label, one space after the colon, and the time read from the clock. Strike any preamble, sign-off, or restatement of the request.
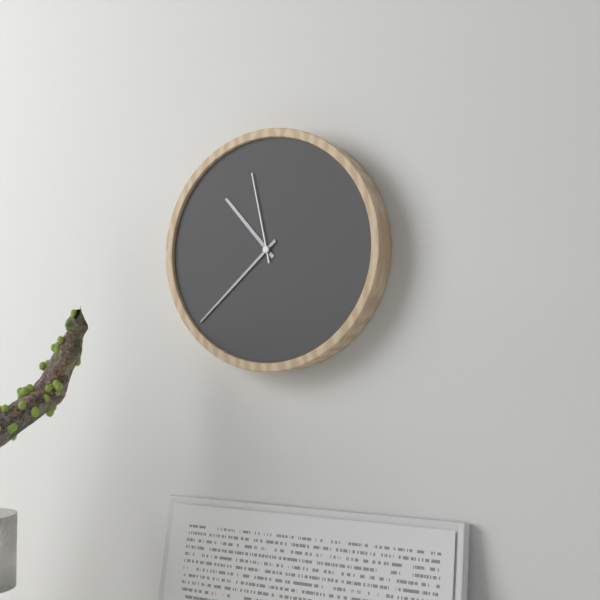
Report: 10:38:58
